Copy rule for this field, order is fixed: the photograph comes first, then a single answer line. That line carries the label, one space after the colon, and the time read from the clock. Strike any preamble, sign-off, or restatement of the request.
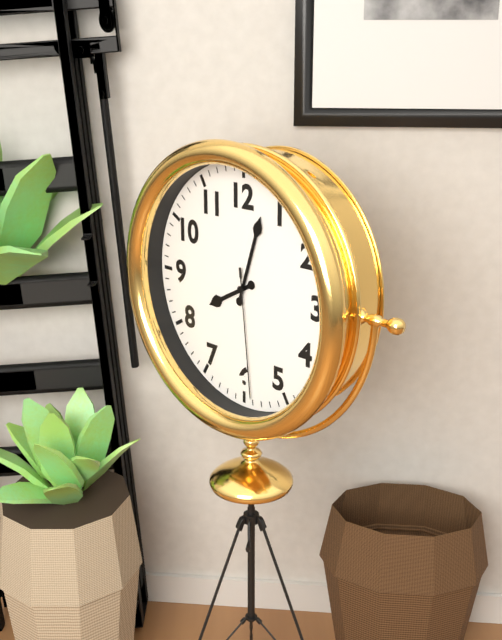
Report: 8:03:29
